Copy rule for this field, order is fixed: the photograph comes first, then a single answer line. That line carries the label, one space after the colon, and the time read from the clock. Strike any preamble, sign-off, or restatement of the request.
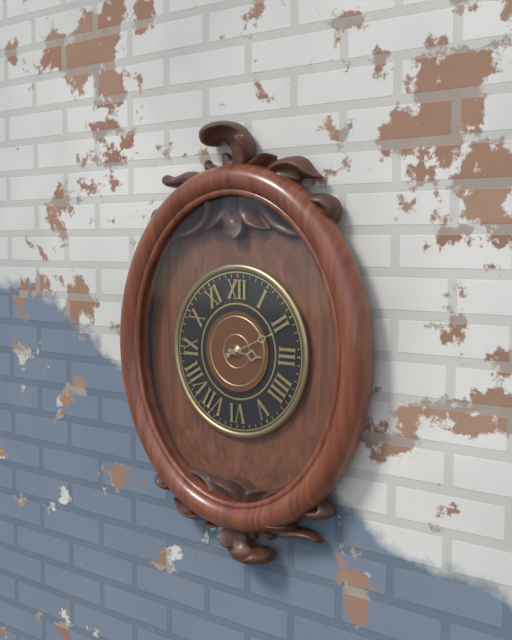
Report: 3:11
